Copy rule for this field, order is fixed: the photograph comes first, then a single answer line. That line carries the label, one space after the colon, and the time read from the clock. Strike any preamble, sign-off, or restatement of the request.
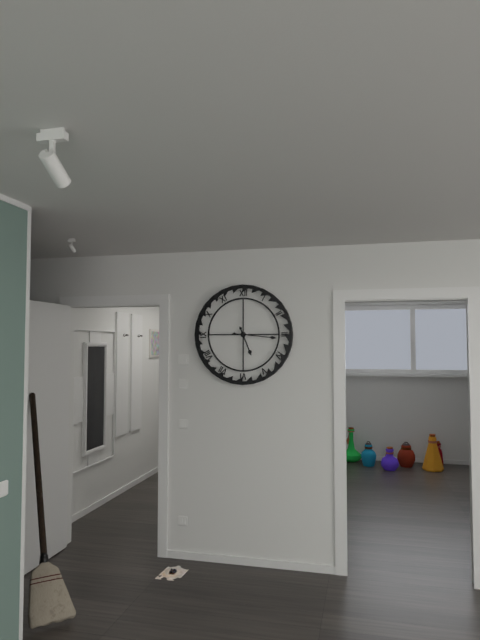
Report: 5:16
